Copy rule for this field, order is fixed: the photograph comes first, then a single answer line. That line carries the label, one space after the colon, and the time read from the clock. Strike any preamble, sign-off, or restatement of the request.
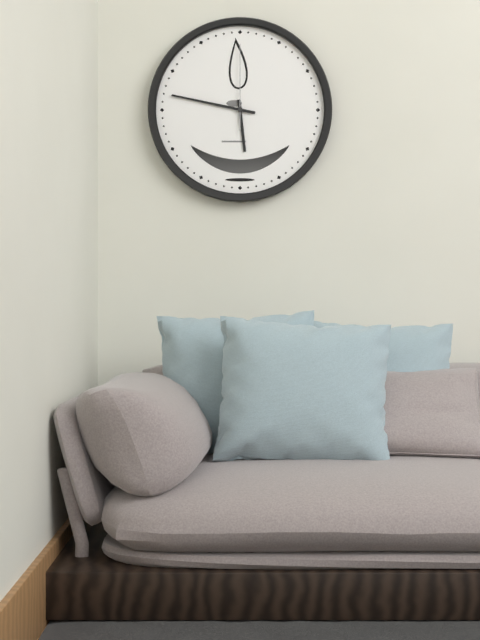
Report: 5:47:00
